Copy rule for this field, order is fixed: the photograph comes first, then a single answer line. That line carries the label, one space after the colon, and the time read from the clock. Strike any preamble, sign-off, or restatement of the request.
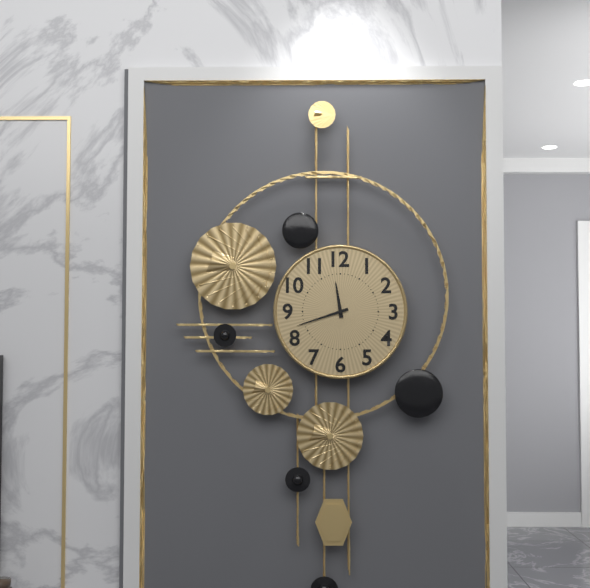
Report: 11:42
